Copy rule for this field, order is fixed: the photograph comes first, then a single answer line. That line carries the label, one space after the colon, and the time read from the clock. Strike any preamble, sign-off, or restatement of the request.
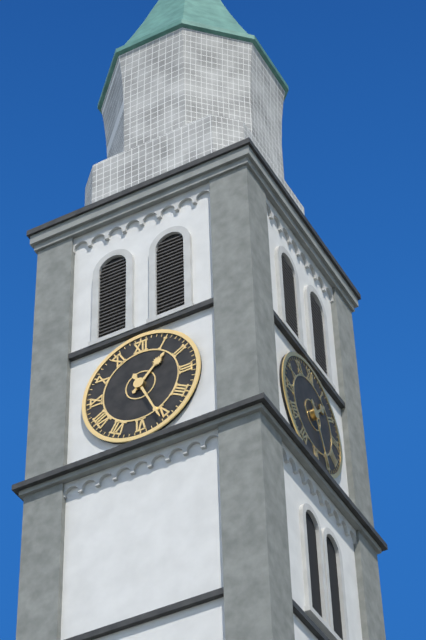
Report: 1:26
